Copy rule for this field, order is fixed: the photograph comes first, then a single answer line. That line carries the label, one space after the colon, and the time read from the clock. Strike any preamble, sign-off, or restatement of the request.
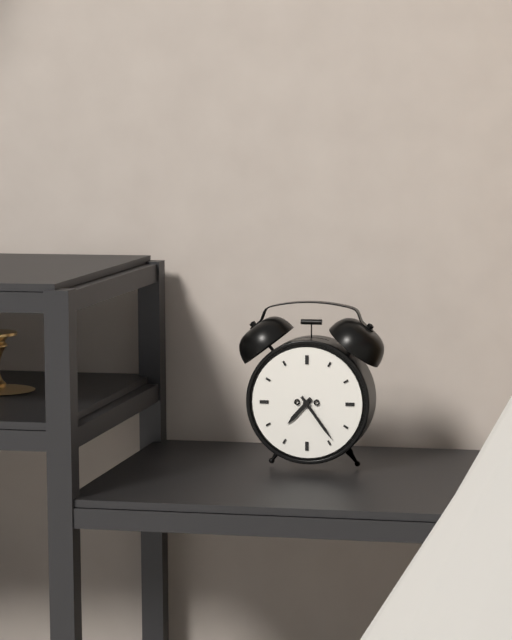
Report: 7:24
